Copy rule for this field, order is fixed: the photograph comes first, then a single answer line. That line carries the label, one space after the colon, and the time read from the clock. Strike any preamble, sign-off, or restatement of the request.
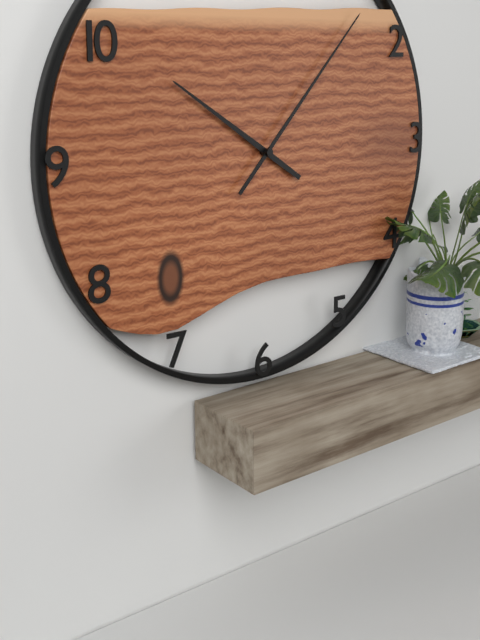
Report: 10:07
